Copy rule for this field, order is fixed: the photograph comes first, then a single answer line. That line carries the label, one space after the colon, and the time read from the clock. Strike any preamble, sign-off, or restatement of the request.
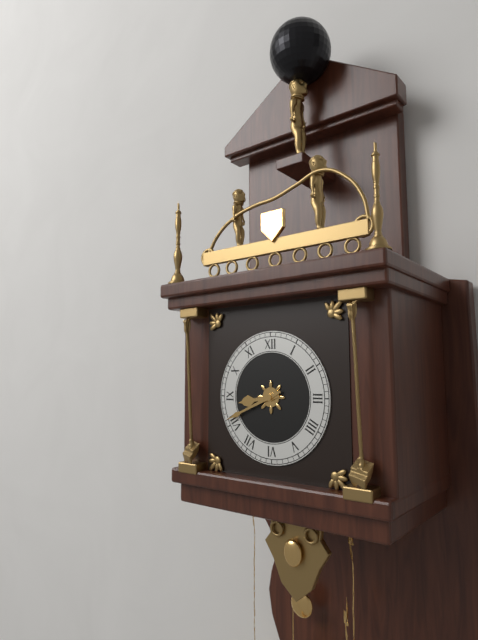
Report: 8:41
